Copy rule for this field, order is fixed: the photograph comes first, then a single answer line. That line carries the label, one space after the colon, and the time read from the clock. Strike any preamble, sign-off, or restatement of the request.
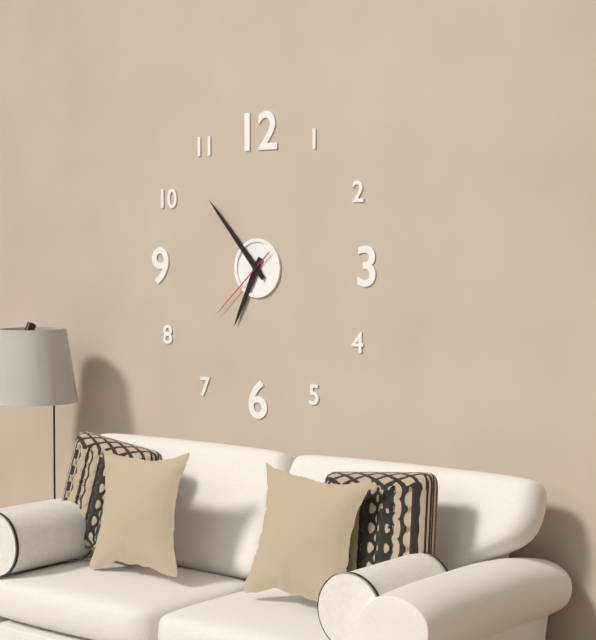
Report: 6:53:38
